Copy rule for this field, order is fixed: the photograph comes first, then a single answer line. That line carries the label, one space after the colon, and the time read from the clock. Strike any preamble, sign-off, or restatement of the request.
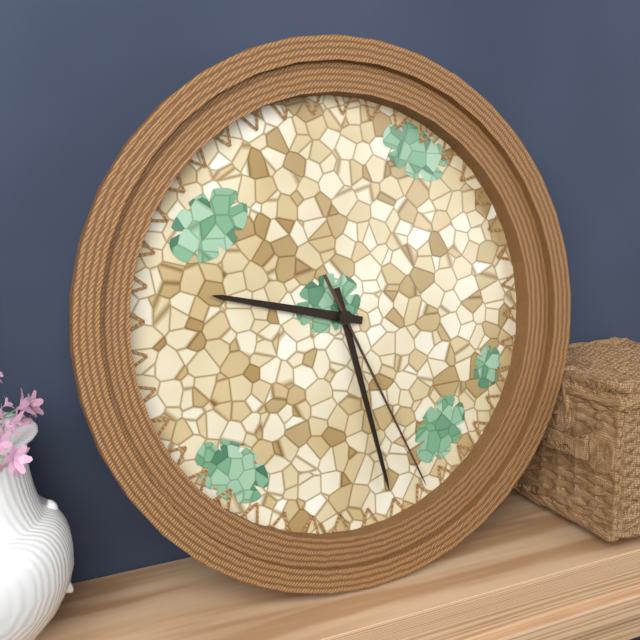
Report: 9:28:26
